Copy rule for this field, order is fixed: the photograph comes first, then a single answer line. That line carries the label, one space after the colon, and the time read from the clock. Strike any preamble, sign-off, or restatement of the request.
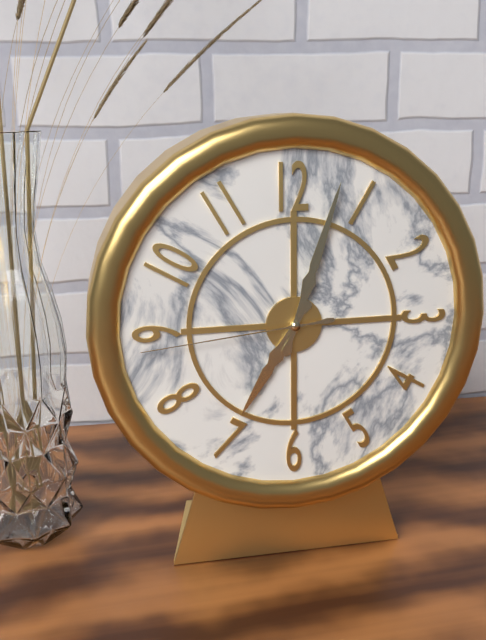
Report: 7:03:44
